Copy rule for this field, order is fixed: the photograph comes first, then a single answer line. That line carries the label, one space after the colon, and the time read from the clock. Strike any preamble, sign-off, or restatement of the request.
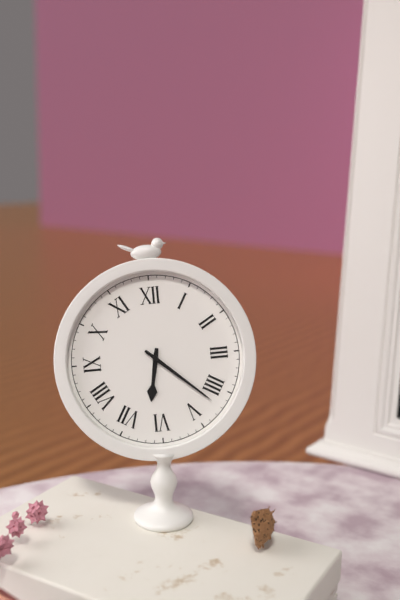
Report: 6:22
